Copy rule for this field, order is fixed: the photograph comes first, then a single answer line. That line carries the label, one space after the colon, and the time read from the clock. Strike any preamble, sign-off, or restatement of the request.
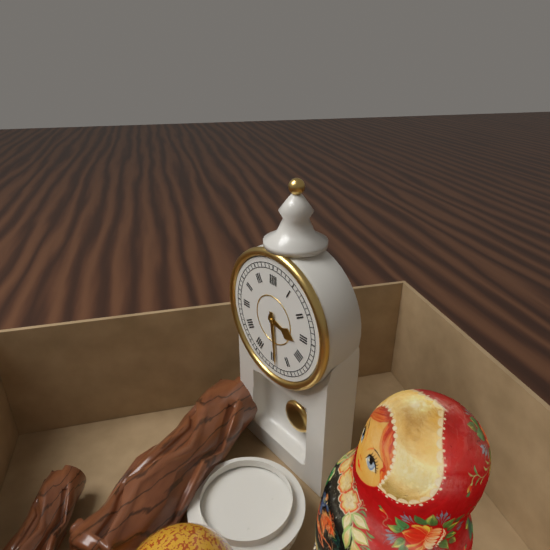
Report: 3:29
